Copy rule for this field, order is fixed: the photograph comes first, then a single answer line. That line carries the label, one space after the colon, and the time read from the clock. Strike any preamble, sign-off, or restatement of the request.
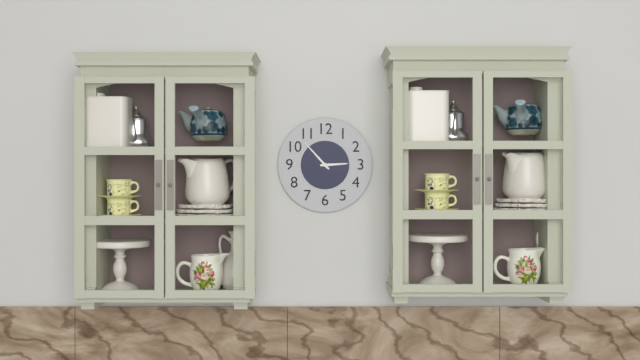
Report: 2:53
